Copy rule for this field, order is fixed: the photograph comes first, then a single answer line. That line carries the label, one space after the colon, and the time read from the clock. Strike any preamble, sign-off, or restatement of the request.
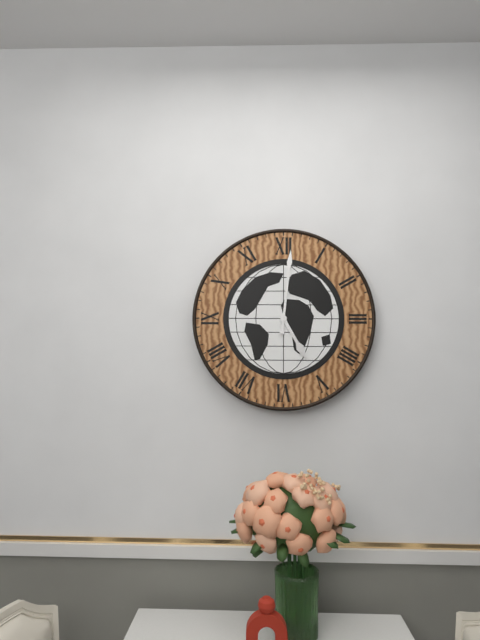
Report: 5:01
